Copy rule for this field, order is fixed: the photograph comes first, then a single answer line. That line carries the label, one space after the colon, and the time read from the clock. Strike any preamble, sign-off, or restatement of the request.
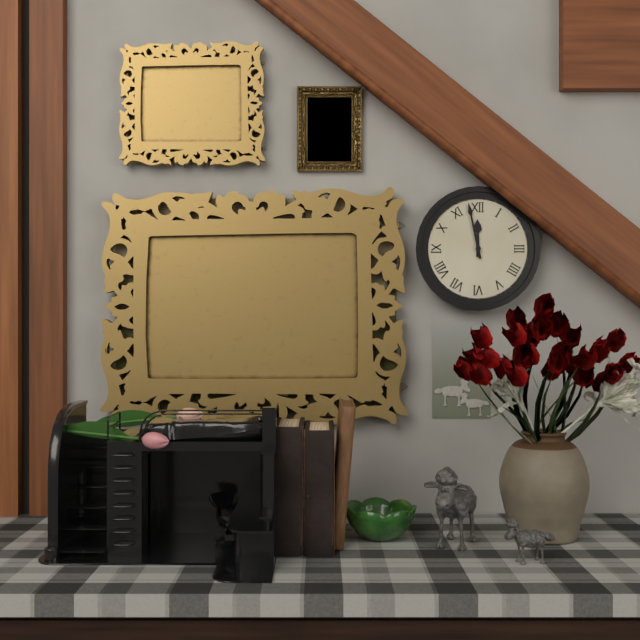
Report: 11:58
